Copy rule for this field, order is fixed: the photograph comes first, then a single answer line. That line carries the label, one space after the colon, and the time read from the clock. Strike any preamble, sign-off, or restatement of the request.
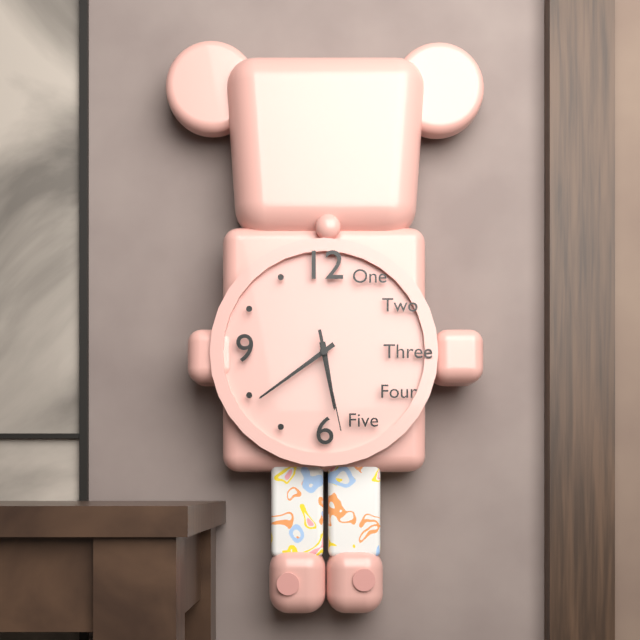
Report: 5:39:28
